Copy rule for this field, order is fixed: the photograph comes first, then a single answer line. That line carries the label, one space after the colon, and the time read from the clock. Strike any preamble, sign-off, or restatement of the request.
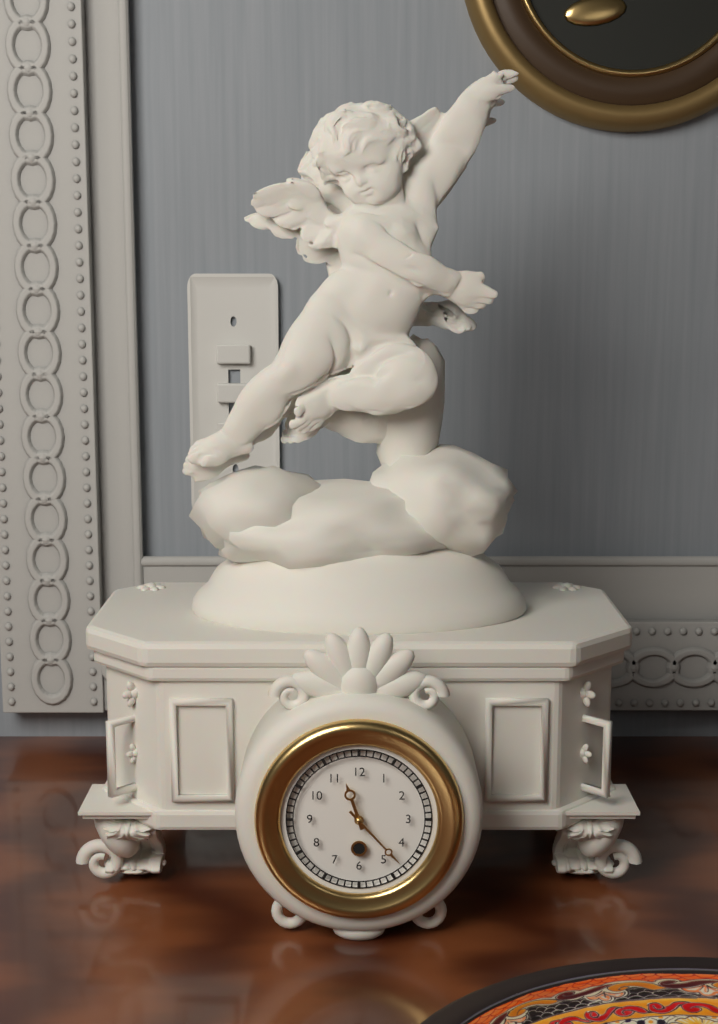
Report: 11:23
